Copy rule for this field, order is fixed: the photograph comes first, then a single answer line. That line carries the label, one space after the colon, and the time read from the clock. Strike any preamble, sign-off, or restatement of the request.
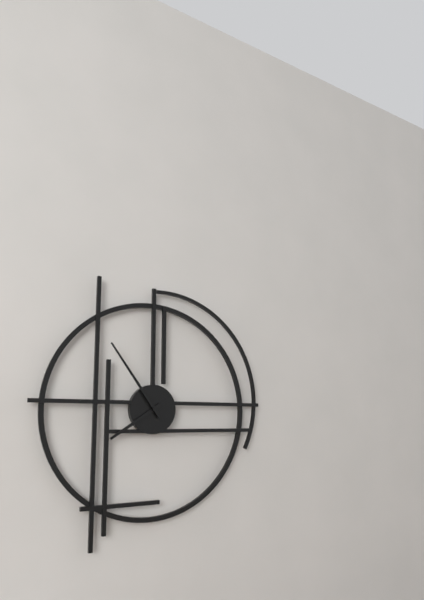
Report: 7:54
